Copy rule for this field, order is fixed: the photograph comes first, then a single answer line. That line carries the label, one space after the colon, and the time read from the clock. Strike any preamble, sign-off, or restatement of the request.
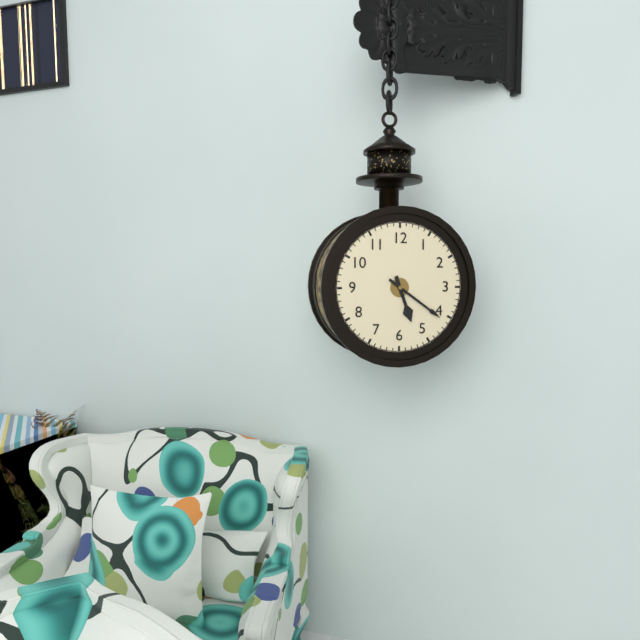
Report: 5:21
